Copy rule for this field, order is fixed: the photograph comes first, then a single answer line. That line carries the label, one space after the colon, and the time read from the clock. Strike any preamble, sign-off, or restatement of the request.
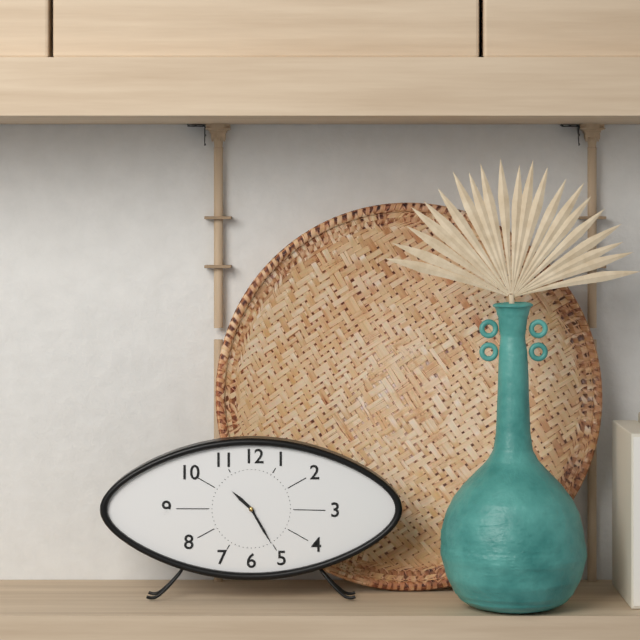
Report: 10:25
